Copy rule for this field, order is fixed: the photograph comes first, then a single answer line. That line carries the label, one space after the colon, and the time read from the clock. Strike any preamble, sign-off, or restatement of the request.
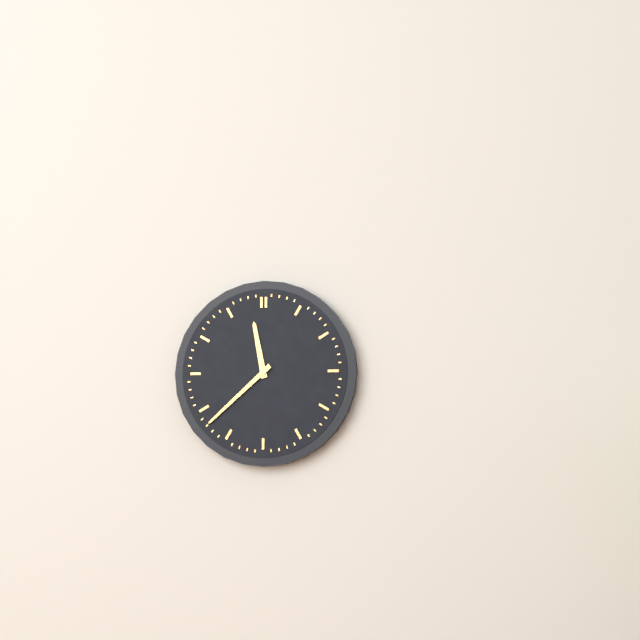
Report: 11:38
